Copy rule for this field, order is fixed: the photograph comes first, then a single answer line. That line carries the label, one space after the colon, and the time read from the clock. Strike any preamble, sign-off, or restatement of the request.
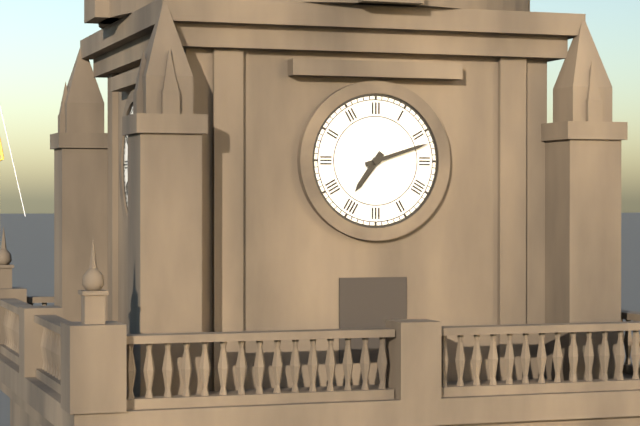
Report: 7:12
